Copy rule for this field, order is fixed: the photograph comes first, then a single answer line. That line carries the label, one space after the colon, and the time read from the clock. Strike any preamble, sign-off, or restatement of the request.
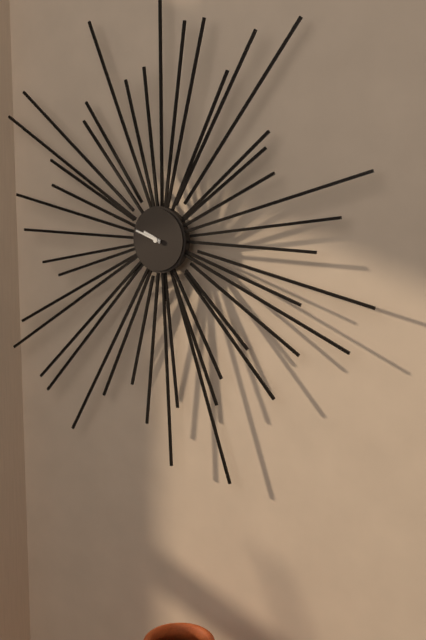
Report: 9:48
